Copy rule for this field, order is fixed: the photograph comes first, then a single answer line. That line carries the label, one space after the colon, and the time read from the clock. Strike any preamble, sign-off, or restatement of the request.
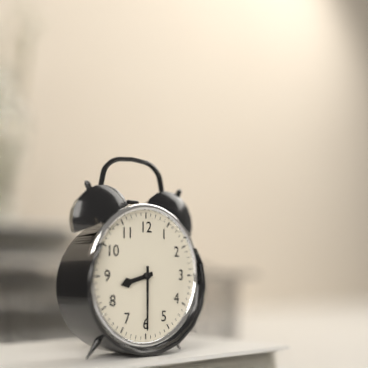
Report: 8:30
